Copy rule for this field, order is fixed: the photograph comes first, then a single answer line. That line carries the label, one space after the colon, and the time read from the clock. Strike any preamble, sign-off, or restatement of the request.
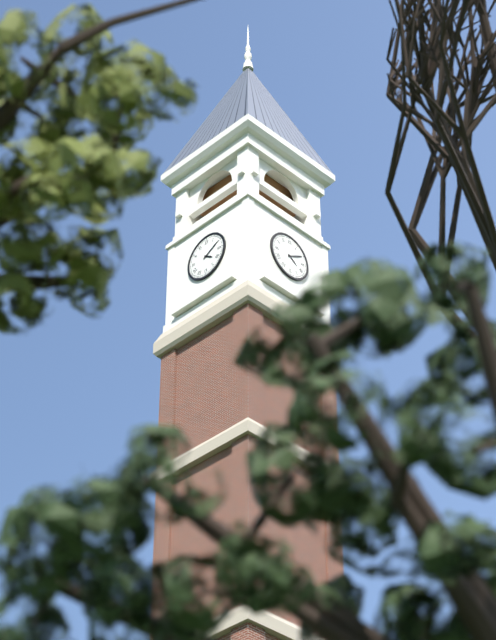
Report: 4:10
